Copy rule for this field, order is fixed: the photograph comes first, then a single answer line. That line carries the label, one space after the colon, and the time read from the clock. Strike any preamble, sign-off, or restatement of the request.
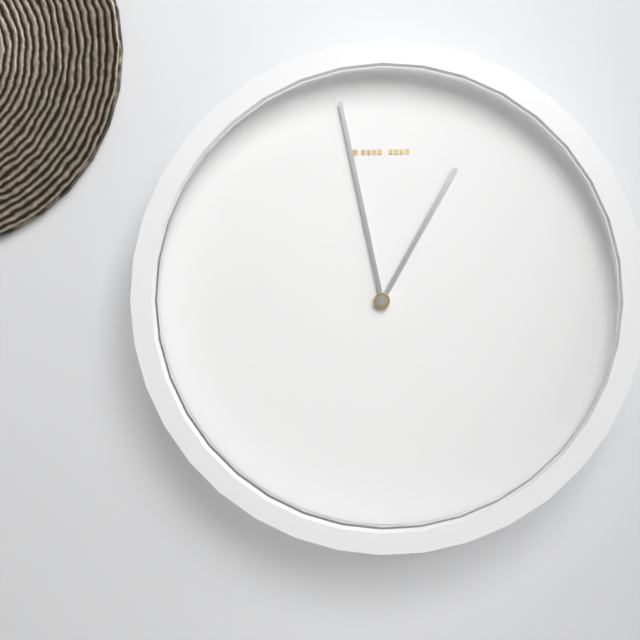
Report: 12:58
